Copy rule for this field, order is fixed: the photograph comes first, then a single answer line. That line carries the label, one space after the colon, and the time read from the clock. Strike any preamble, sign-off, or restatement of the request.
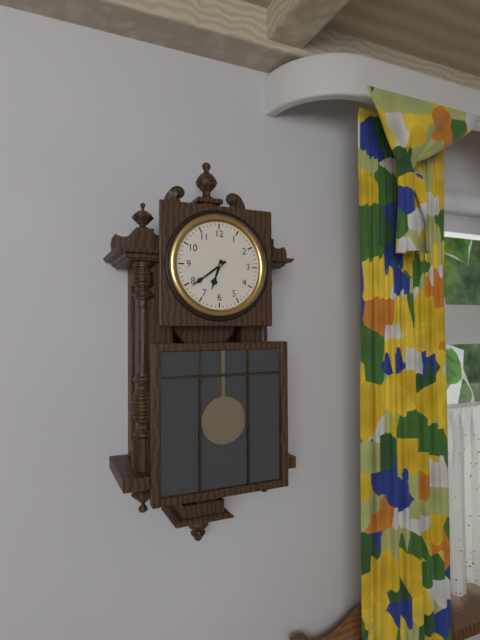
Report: 6:39
